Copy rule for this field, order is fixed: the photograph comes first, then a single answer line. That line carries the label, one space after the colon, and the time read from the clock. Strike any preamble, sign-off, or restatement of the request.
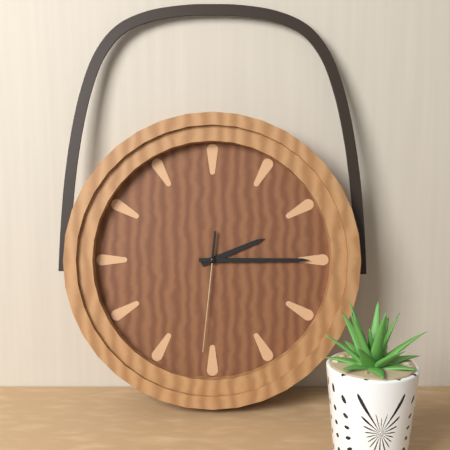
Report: 2:15:31
